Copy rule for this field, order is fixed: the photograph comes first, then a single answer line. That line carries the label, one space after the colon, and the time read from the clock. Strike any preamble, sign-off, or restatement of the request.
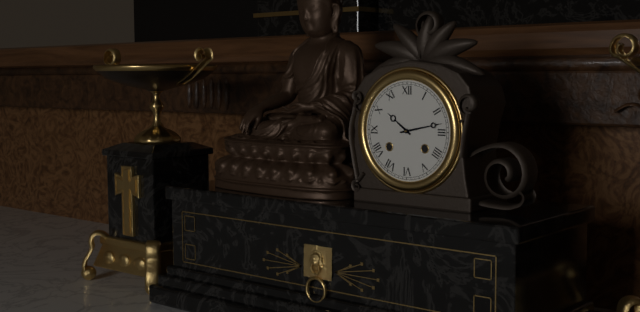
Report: 10:13
